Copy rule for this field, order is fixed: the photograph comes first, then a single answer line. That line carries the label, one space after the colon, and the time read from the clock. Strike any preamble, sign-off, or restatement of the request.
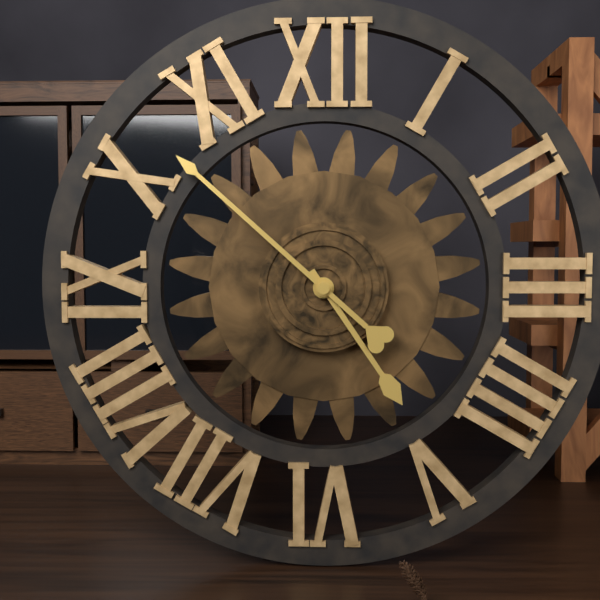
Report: 4:52
